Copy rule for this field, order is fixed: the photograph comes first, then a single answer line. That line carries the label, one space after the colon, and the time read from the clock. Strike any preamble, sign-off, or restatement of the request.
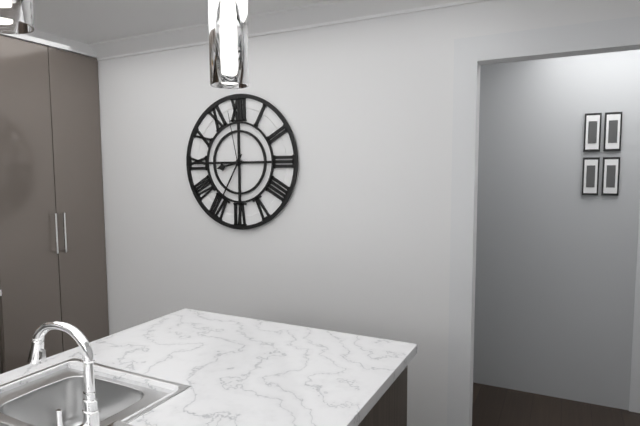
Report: 8:35:58
